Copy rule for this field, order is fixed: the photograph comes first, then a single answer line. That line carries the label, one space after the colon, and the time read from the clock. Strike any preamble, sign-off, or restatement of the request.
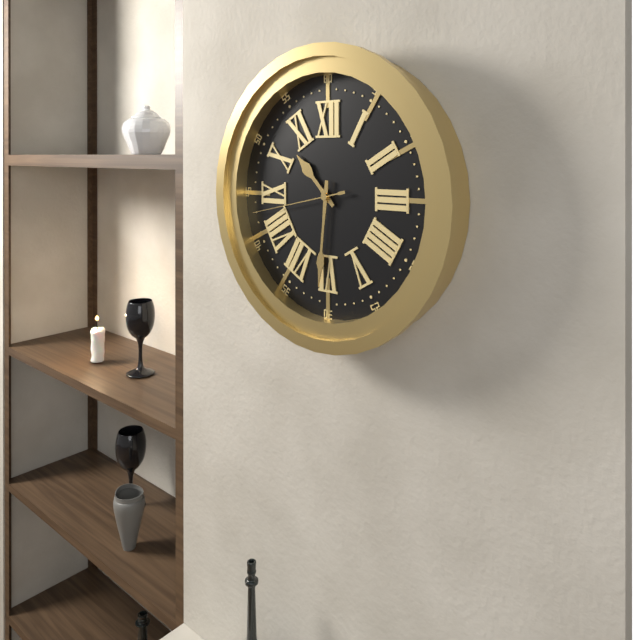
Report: 10:31:43
